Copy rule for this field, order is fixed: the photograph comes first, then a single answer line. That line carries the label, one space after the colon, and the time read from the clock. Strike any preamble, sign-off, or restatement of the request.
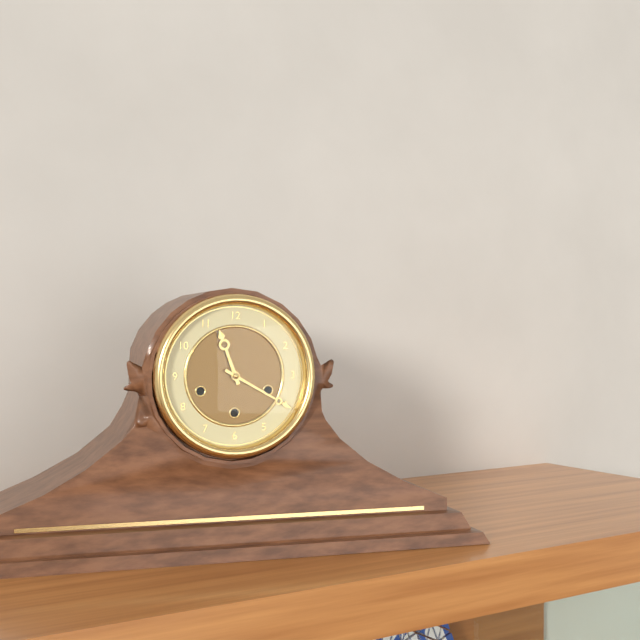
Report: 11:20
